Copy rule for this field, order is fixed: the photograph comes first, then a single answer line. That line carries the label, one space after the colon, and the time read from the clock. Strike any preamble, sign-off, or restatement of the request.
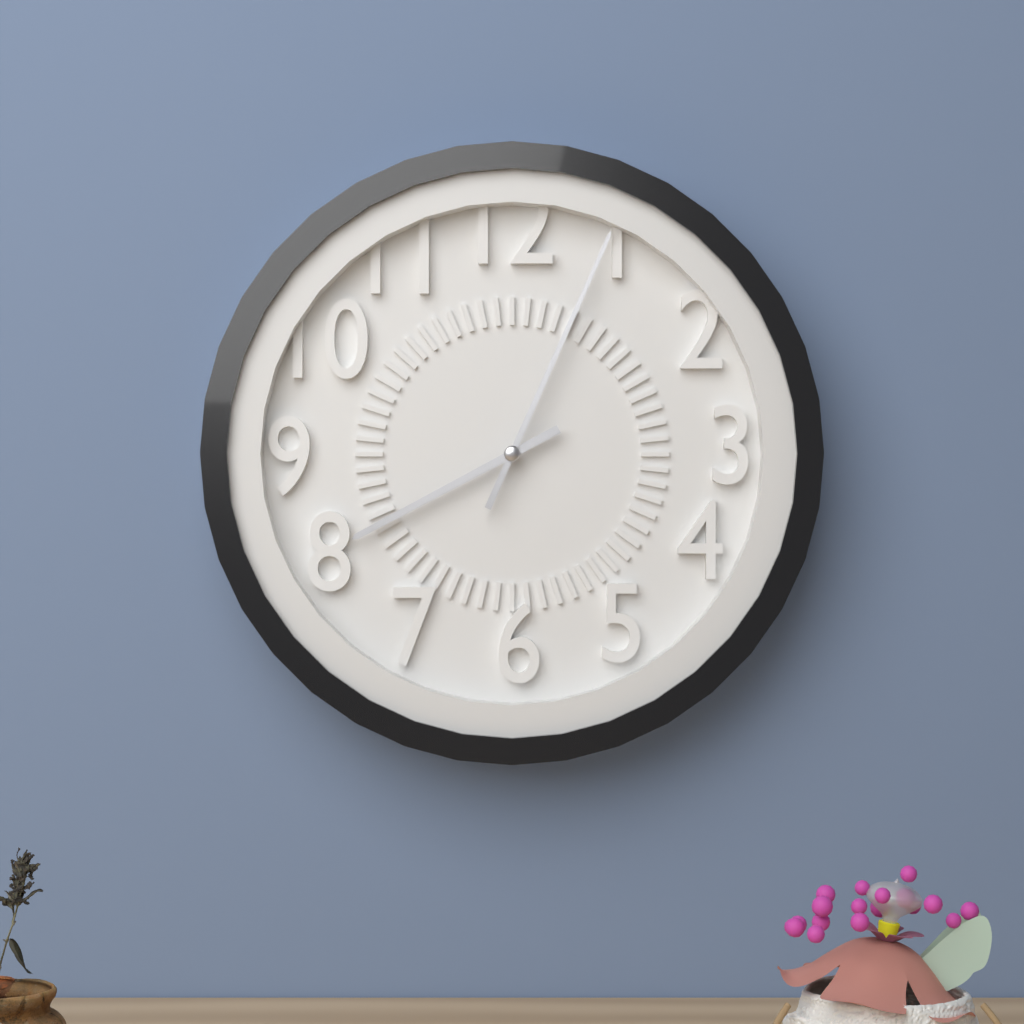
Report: 8:04
